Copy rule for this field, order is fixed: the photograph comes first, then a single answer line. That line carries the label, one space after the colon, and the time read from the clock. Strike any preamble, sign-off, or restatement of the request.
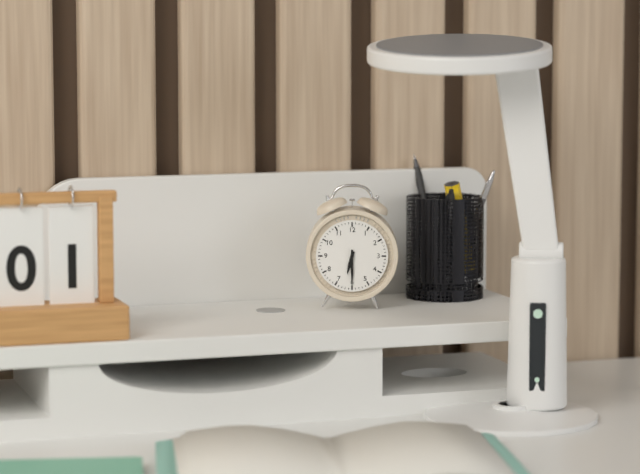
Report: 6:30
